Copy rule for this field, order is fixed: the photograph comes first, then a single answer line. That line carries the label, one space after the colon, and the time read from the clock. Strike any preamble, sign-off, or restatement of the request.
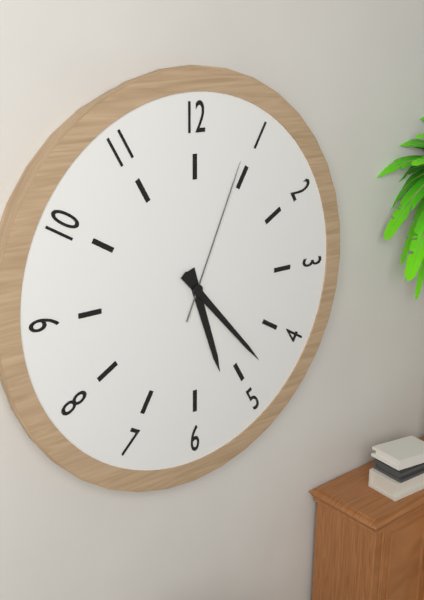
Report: 5:23:04
